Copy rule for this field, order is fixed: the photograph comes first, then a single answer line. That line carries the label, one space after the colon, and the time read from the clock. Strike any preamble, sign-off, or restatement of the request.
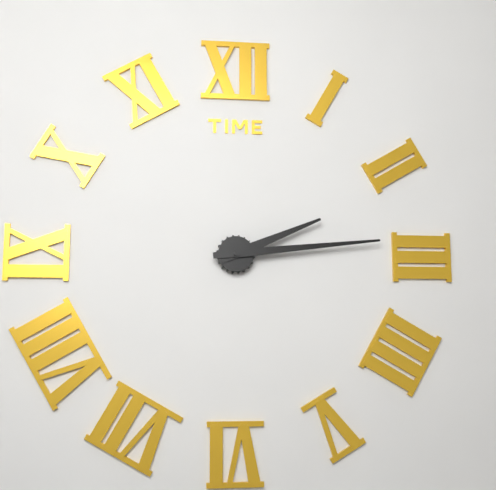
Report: 2:14
